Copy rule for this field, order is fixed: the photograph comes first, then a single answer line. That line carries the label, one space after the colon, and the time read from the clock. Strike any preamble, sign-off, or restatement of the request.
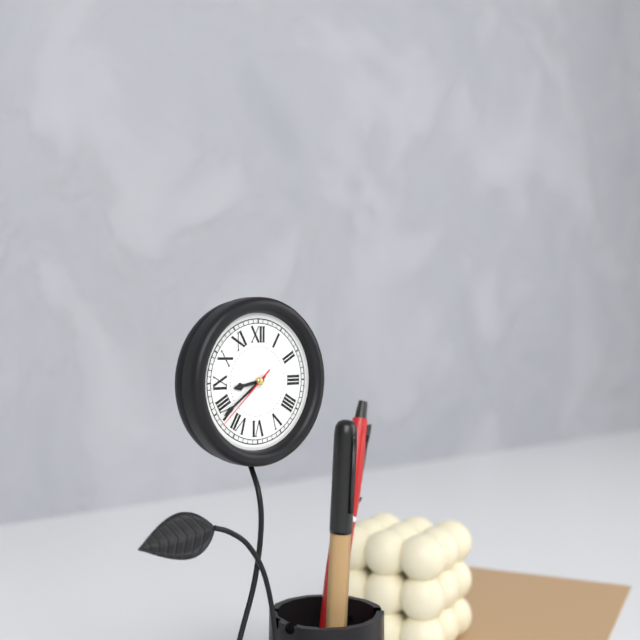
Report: 8:39:38
